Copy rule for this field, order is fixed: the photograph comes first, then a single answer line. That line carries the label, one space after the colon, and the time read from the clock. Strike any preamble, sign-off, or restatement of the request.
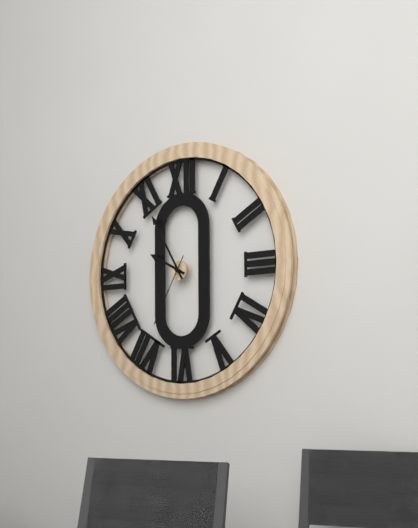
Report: 9:55:35
